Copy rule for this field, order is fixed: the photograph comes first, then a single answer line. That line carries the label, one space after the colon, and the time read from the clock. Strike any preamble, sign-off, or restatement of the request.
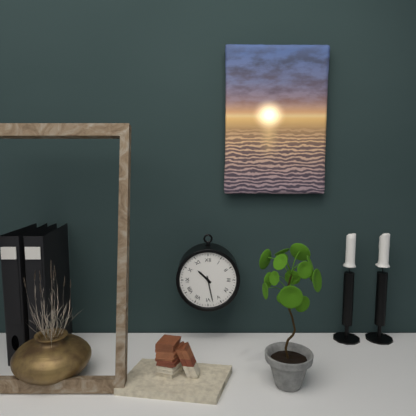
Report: 10:28
